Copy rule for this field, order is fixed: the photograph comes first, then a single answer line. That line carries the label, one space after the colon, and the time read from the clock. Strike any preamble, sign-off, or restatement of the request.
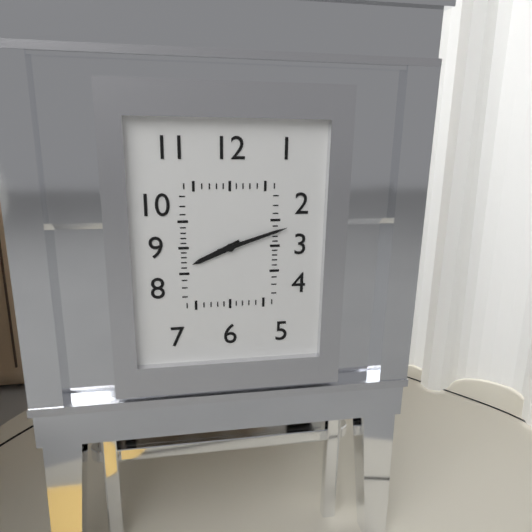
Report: 8:12
